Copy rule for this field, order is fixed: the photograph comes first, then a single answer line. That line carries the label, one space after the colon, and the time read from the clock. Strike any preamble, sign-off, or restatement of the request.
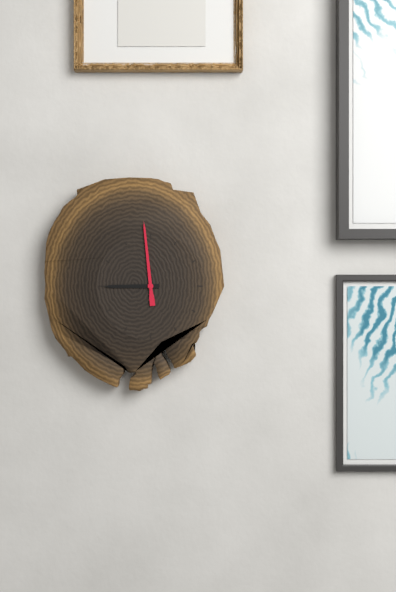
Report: 8:59
